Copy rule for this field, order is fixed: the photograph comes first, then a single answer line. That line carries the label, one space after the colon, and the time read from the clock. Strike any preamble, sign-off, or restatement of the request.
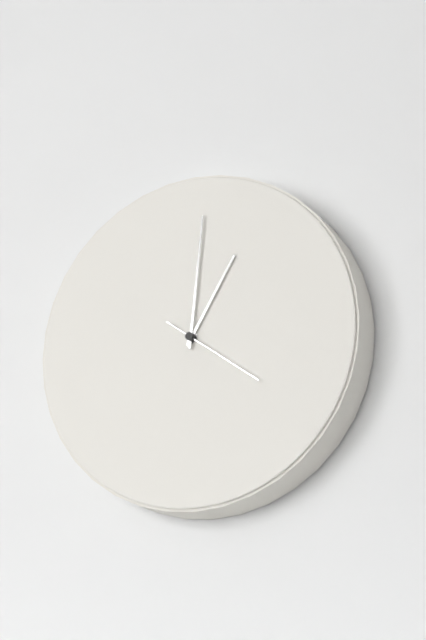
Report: 1:01:21
